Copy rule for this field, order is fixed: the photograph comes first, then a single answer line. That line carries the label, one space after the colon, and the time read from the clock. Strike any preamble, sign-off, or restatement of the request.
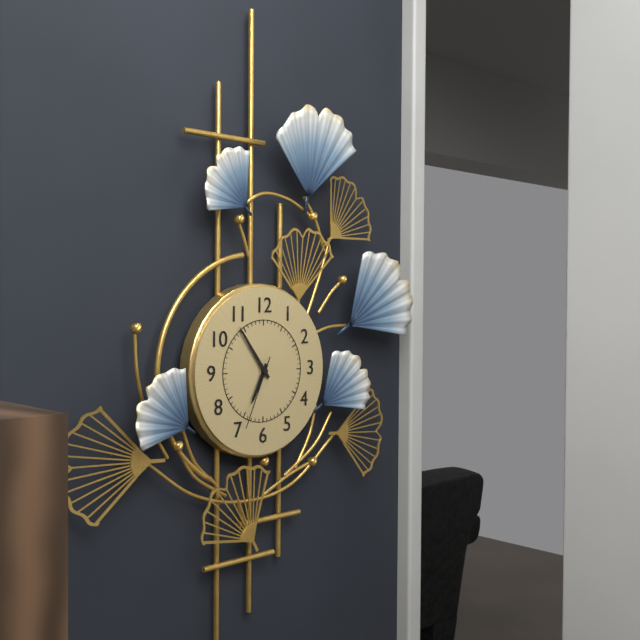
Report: 6:54:34
